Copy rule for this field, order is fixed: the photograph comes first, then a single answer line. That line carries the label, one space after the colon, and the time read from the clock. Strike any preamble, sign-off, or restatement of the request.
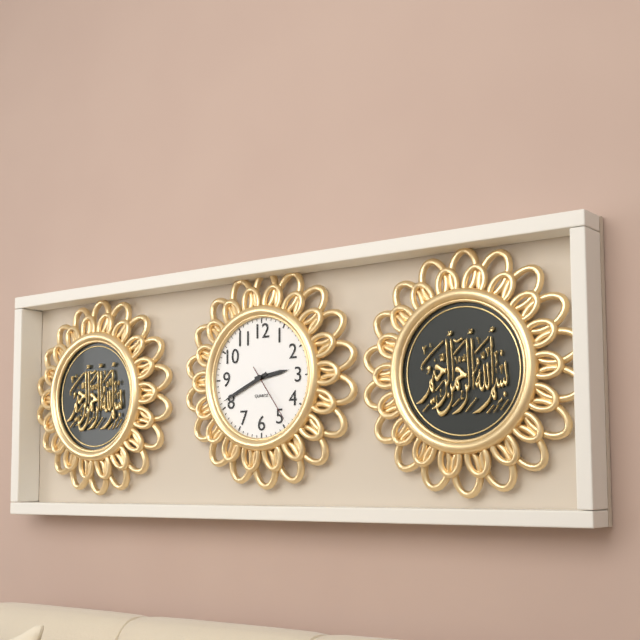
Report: 2:41:24
